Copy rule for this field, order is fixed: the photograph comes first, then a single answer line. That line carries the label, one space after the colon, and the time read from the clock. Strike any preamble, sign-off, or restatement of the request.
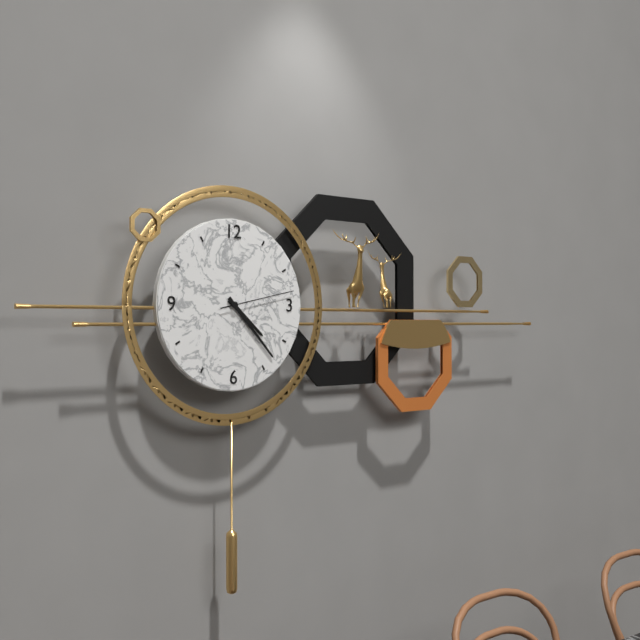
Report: 4:23:13
